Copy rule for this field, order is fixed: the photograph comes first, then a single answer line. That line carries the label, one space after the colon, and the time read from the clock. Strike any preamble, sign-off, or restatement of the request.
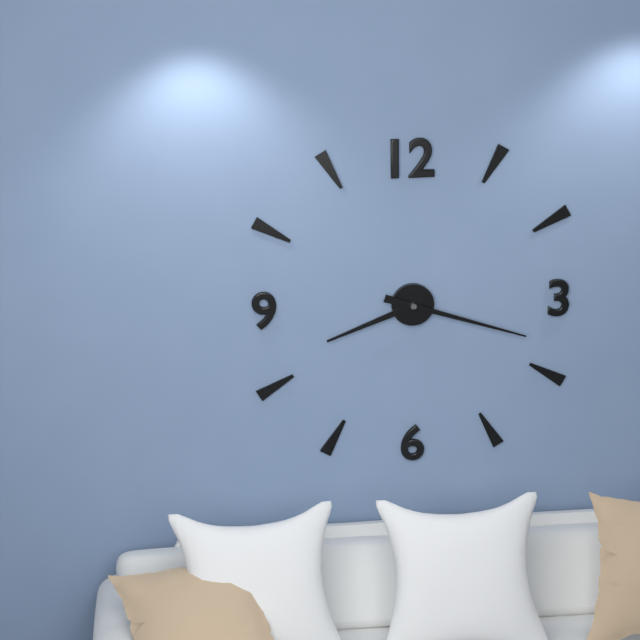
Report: 8:18
